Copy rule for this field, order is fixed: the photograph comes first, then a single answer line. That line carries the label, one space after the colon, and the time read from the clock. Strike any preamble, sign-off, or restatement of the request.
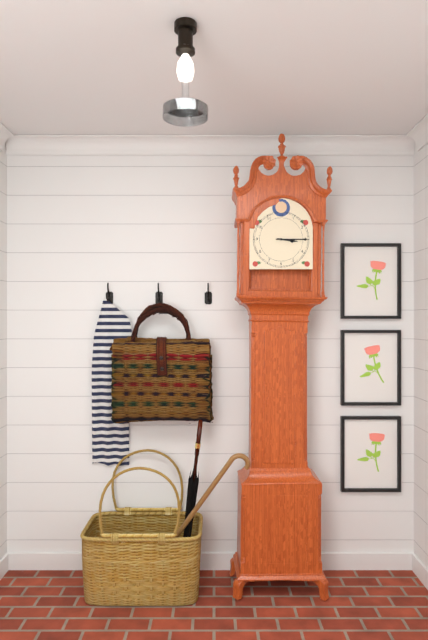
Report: 3:15
